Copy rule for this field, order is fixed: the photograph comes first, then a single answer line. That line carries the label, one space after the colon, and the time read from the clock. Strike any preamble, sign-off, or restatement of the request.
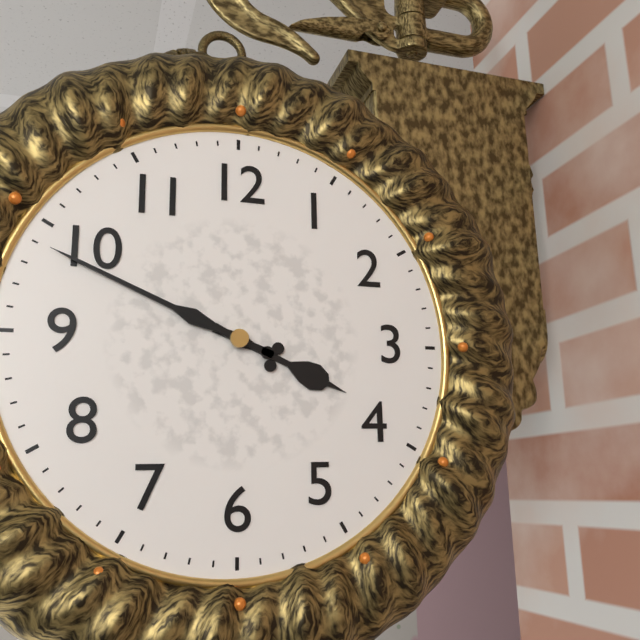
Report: 3:49
